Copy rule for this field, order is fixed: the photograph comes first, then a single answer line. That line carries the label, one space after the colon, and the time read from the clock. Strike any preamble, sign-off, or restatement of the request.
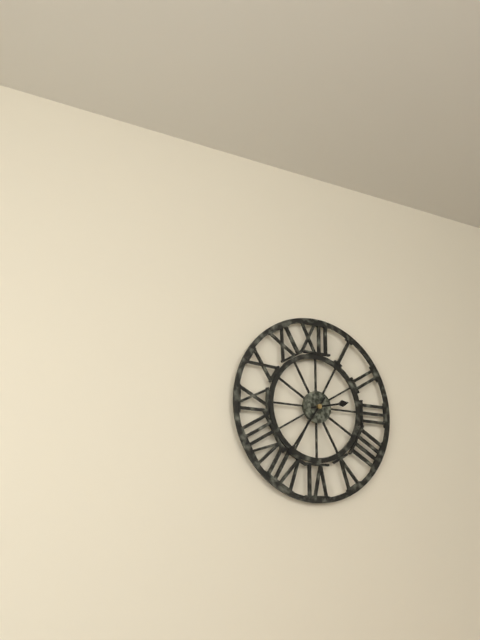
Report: 2:36
